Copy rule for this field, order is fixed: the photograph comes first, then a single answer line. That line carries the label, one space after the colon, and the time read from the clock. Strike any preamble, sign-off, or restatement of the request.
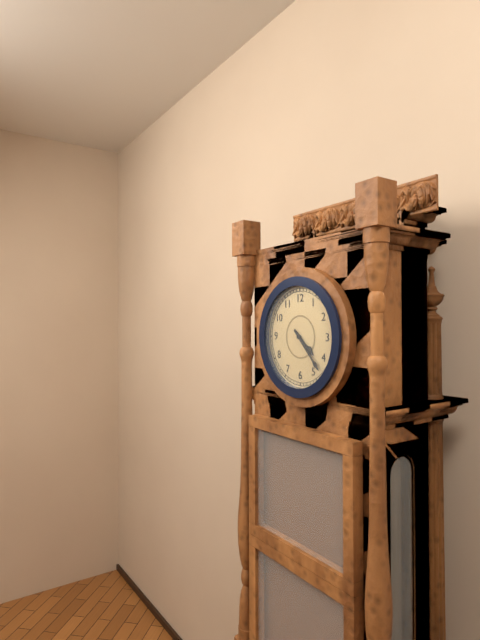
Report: 4:23
